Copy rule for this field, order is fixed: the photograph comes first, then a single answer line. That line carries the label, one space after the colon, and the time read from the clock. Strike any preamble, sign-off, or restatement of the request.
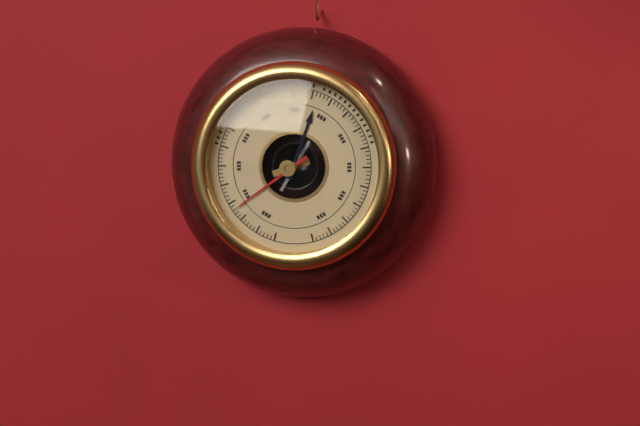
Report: 12:39
